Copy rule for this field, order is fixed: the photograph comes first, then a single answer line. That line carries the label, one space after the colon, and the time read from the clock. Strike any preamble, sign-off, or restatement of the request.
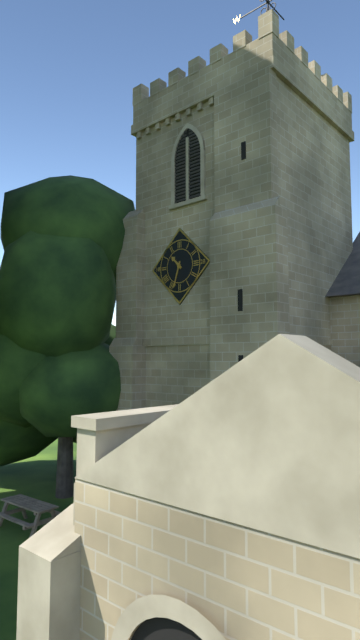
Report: 10:33
